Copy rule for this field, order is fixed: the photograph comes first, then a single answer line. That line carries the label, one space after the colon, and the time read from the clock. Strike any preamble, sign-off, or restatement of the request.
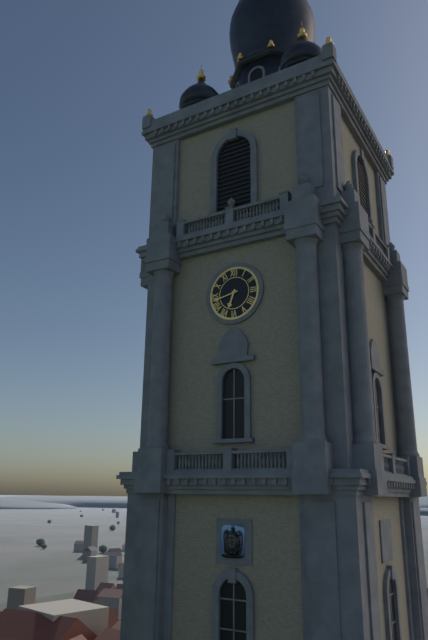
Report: 6:43
